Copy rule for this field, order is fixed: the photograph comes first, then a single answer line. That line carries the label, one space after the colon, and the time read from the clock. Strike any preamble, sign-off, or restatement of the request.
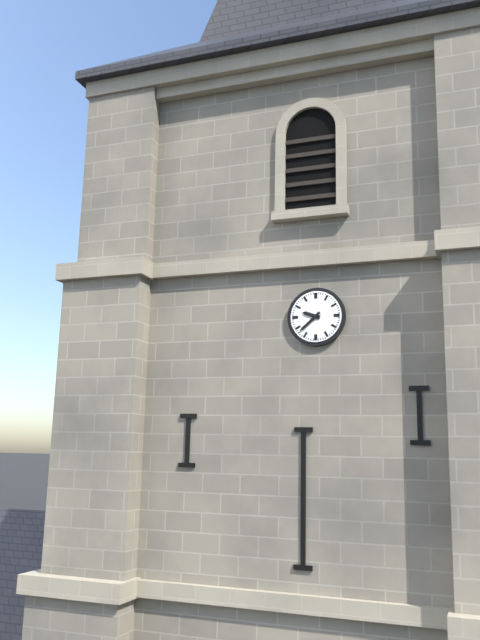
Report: 9:38
